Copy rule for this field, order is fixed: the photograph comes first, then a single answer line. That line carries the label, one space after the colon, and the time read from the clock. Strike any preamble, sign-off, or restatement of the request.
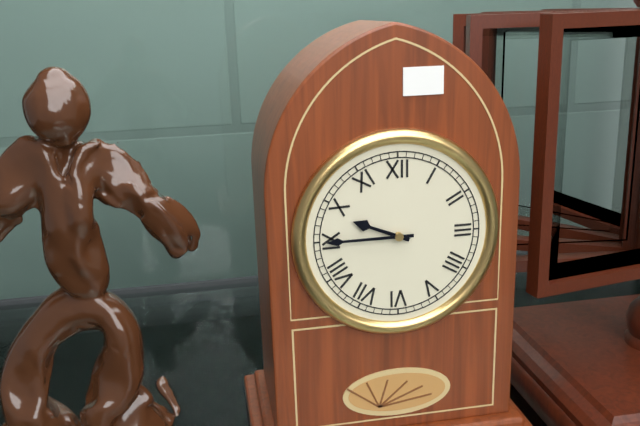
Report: 9:45
